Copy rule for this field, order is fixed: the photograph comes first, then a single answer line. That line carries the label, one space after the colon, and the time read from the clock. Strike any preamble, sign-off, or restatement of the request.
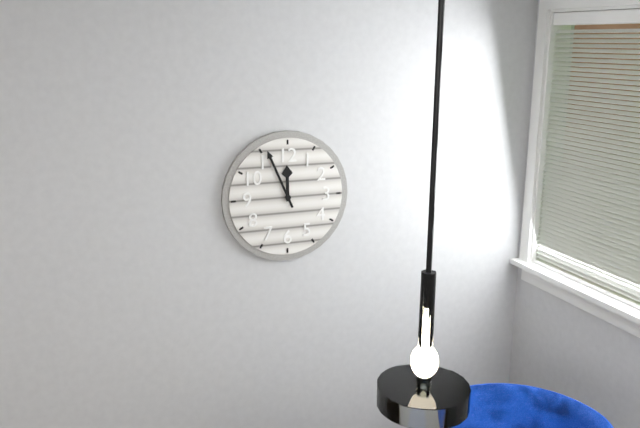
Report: 11:56
